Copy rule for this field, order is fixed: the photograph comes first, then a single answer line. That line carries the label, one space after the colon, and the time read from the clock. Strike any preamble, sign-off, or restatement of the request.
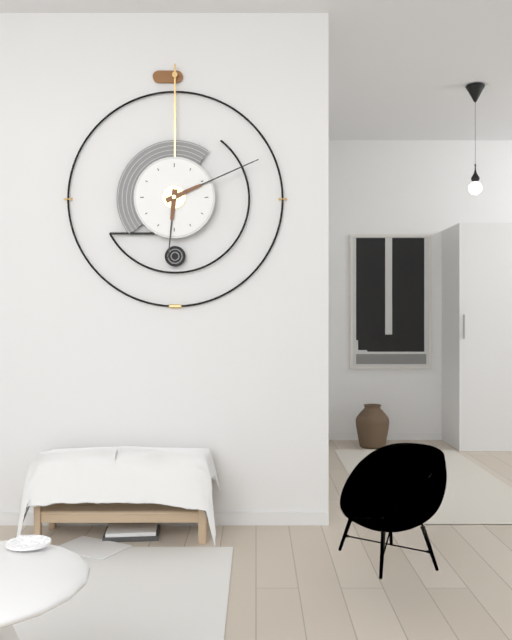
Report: 6:11
